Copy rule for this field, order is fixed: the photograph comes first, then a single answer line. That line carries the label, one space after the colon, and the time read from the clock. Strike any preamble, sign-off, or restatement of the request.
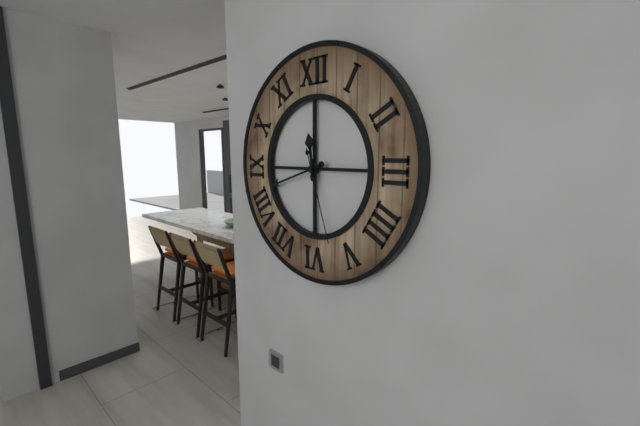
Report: 11:42:27
